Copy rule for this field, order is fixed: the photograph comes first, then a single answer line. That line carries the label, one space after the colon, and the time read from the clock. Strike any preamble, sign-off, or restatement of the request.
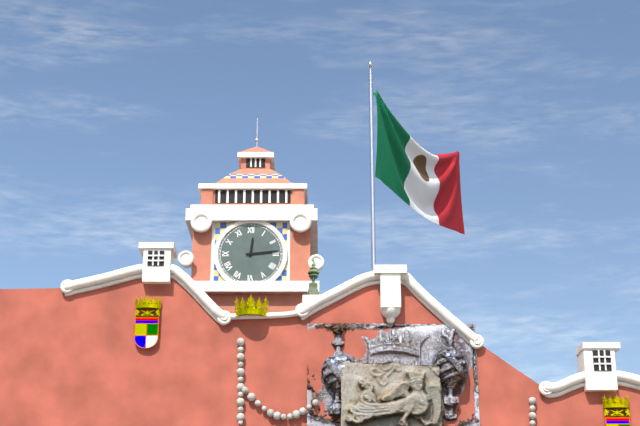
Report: 12:14
